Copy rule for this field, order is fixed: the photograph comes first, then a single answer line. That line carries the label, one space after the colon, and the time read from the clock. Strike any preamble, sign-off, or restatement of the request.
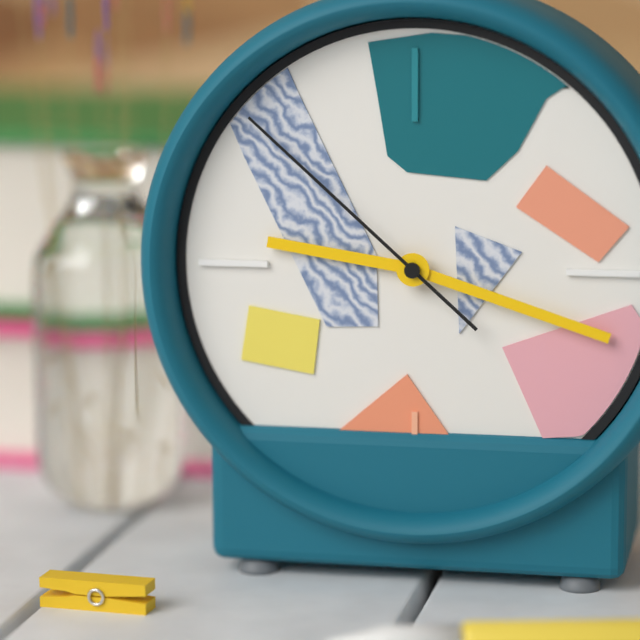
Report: 9:18:52
